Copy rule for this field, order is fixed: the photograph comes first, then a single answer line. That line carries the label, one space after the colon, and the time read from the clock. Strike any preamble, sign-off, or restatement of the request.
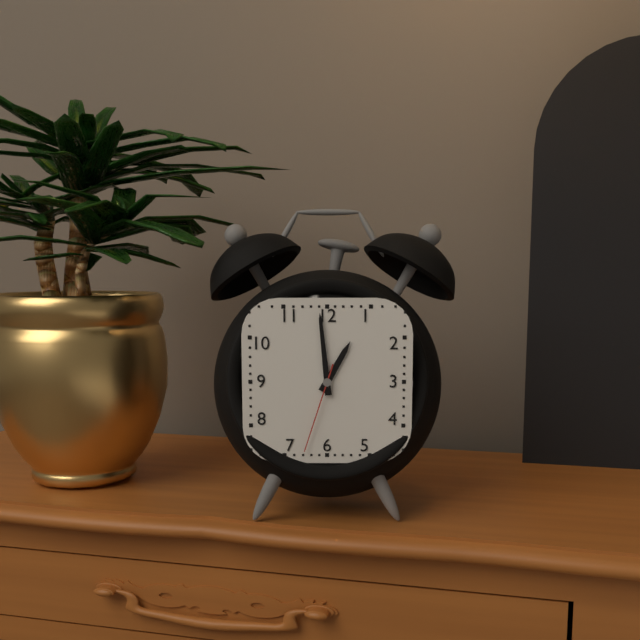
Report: 12:59:33
